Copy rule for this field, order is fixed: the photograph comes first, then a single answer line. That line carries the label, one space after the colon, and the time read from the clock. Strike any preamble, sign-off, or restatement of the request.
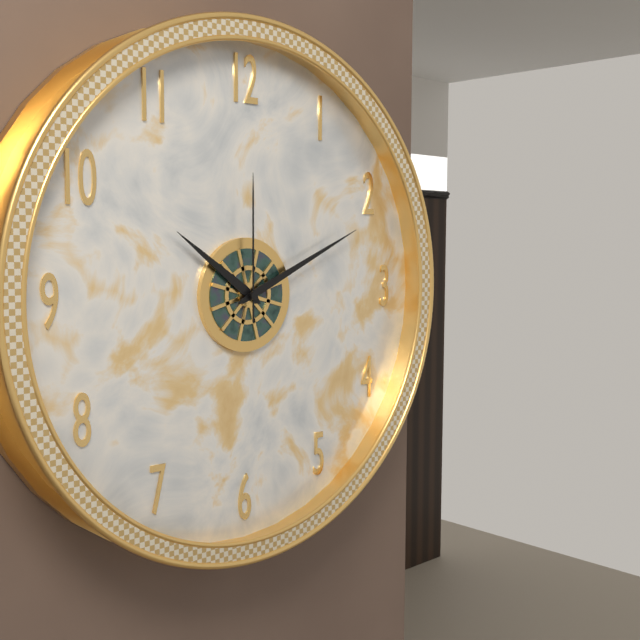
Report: 10:11:00
